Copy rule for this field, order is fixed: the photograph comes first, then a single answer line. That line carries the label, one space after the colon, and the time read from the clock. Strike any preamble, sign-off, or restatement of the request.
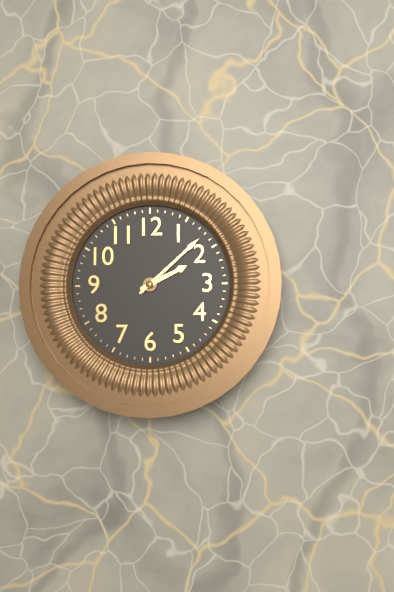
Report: 2:08
